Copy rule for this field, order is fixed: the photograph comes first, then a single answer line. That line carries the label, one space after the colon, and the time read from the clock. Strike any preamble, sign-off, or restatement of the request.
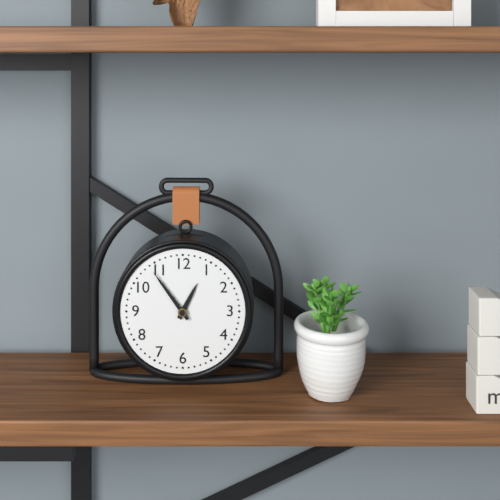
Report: 12:54
